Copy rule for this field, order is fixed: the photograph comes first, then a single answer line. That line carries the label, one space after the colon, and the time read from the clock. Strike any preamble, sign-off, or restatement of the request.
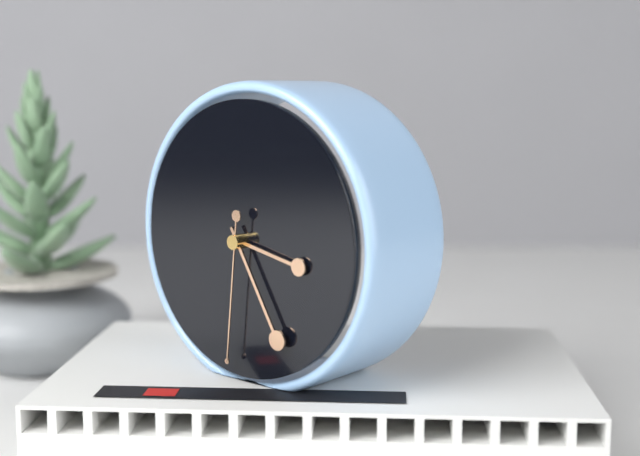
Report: 3:25:31
